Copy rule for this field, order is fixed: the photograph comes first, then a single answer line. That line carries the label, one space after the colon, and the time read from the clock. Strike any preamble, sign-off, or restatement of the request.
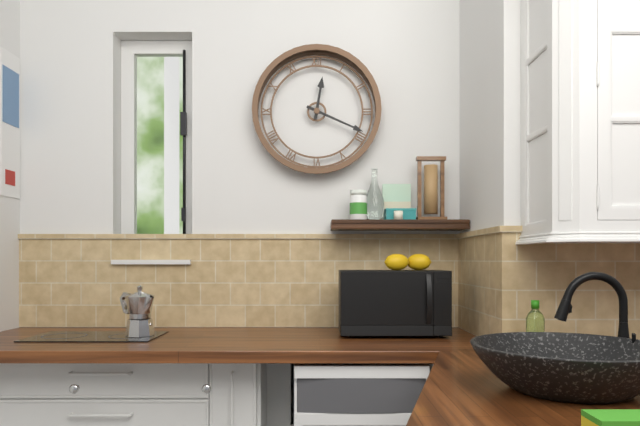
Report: 12:19
